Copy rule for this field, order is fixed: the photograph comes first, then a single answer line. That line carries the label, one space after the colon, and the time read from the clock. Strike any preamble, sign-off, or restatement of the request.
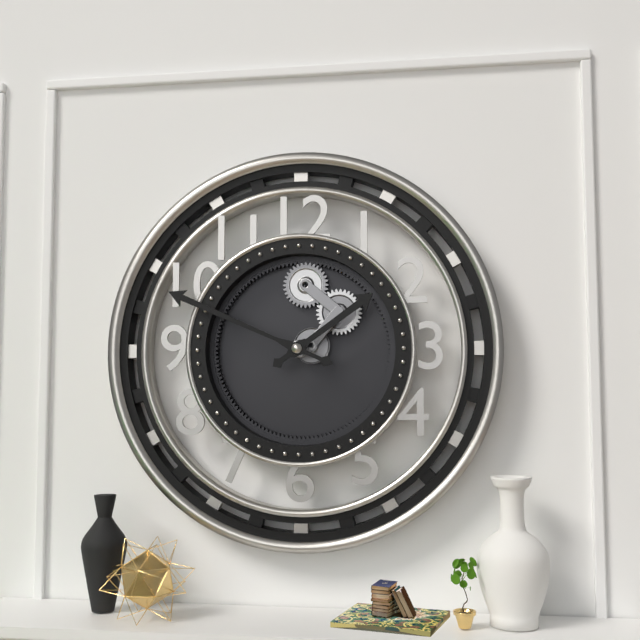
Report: 1:49
